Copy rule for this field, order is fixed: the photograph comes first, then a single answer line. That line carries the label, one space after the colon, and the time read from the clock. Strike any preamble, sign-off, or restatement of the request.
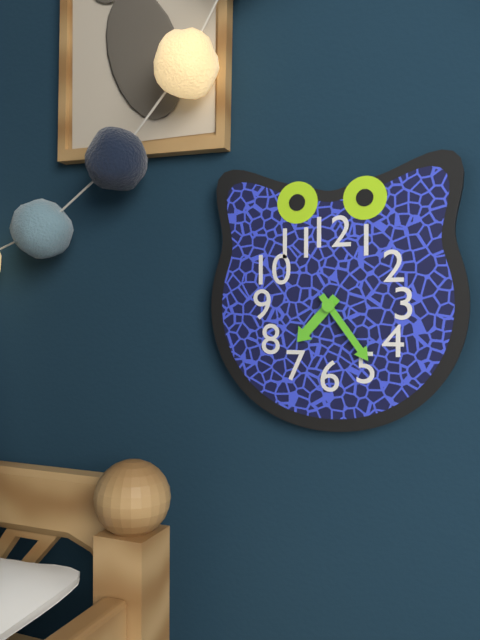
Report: 7:24
